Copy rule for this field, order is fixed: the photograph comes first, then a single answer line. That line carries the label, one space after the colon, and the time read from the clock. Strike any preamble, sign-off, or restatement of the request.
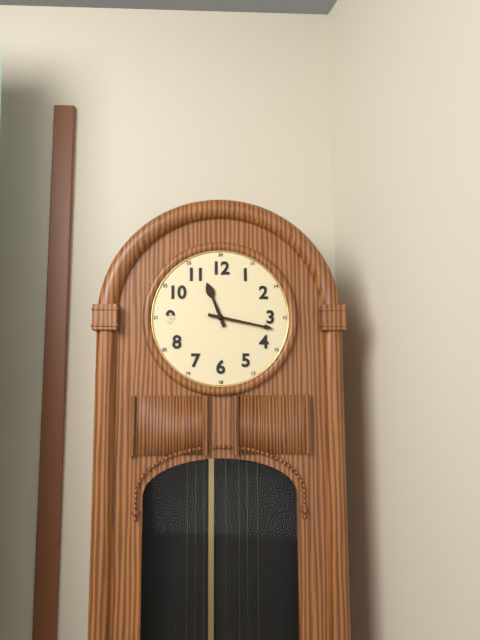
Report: 11:17
